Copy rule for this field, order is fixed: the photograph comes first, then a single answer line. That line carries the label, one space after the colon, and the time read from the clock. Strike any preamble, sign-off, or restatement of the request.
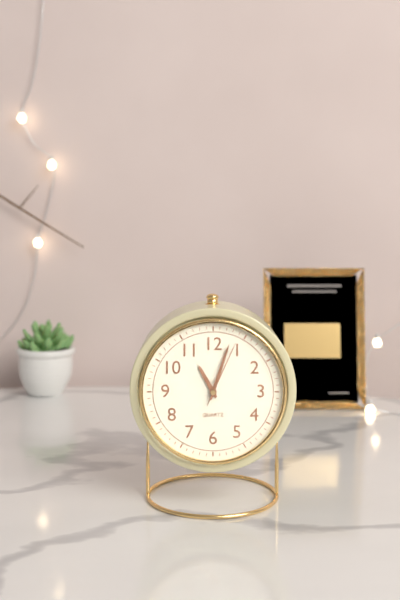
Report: 11:03:04
